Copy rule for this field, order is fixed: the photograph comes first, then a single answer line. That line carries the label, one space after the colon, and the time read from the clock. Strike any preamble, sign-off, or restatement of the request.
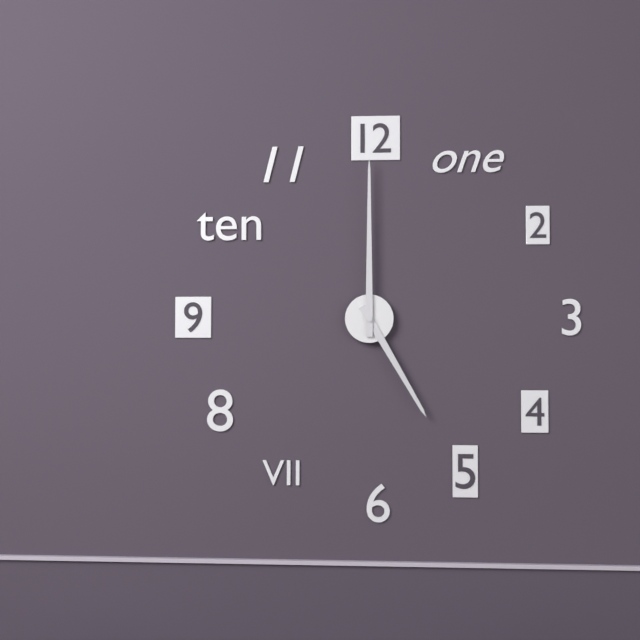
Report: 5:00
